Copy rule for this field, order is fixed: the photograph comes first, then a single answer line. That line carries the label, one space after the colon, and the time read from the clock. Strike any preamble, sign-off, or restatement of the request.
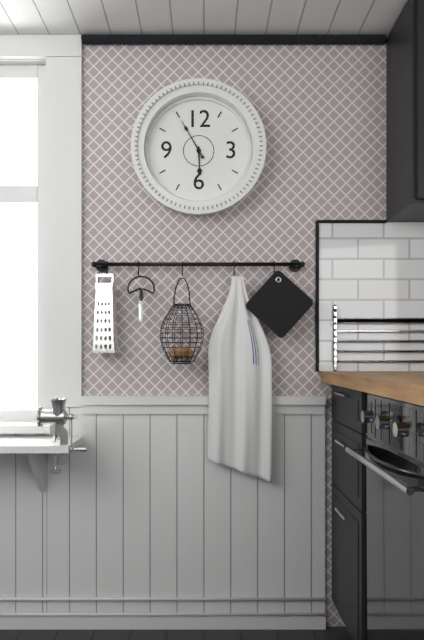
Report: 5:55
